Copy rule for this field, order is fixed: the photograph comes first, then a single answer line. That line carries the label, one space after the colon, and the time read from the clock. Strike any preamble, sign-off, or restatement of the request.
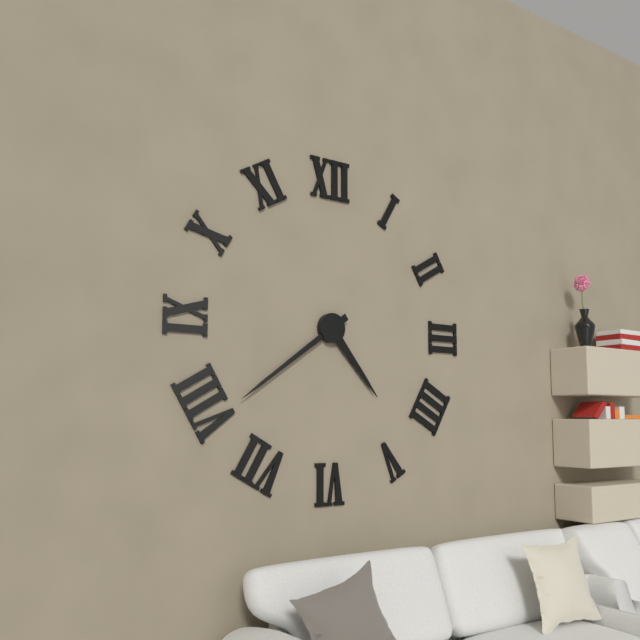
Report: 4:39
